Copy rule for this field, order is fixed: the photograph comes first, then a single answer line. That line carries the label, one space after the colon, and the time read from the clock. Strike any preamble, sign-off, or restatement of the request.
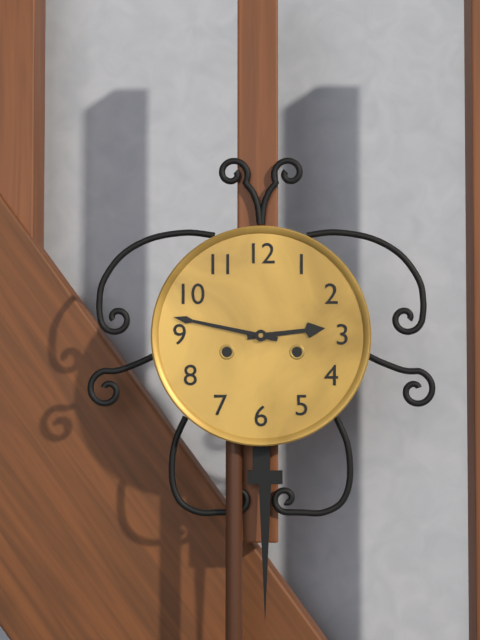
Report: 2:47
